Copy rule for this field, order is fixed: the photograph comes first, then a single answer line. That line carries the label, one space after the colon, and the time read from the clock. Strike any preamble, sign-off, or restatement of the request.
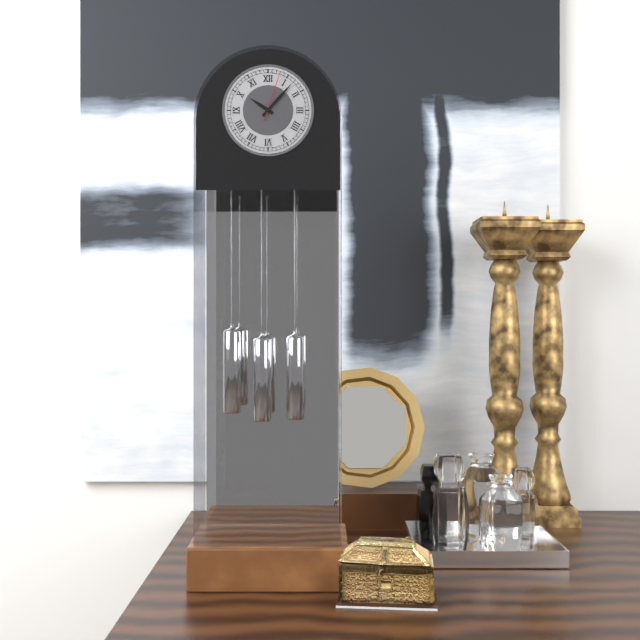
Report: 10:07
